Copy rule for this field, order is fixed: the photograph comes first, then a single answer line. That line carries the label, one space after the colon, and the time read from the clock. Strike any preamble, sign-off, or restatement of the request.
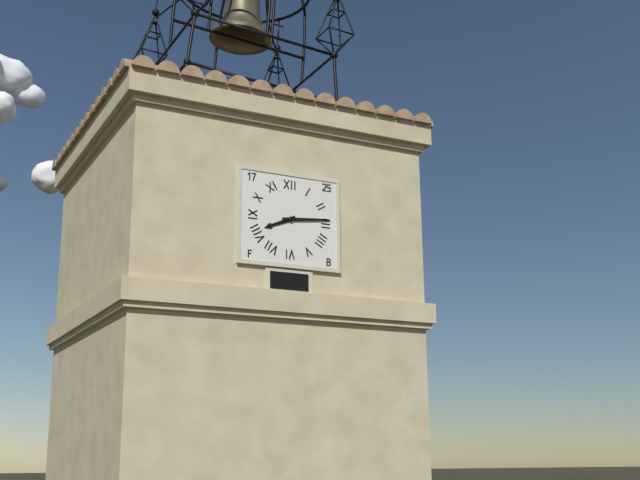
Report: 8:14
